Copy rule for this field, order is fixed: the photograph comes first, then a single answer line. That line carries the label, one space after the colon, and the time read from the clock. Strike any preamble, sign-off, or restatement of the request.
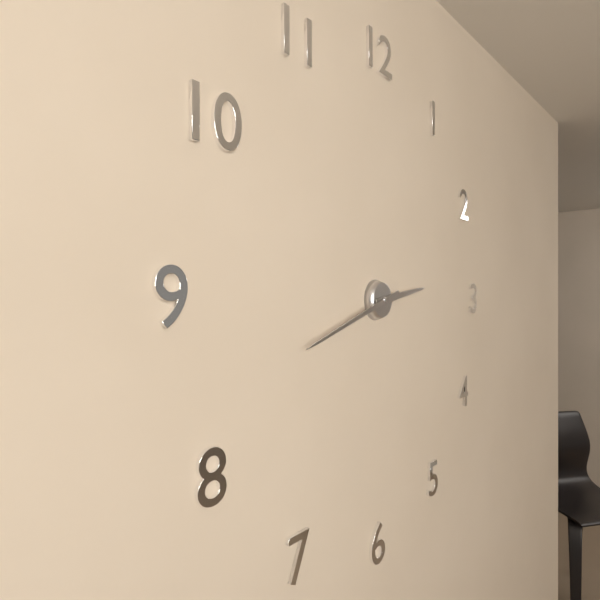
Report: 2:42
